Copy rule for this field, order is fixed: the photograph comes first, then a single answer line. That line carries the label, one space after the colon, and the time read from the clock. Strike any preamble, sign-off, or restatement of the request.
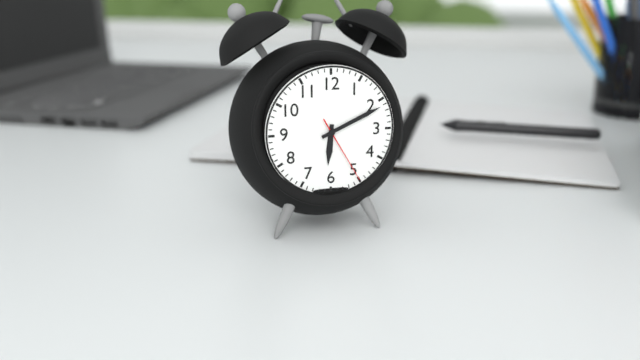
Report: 6:11:25
